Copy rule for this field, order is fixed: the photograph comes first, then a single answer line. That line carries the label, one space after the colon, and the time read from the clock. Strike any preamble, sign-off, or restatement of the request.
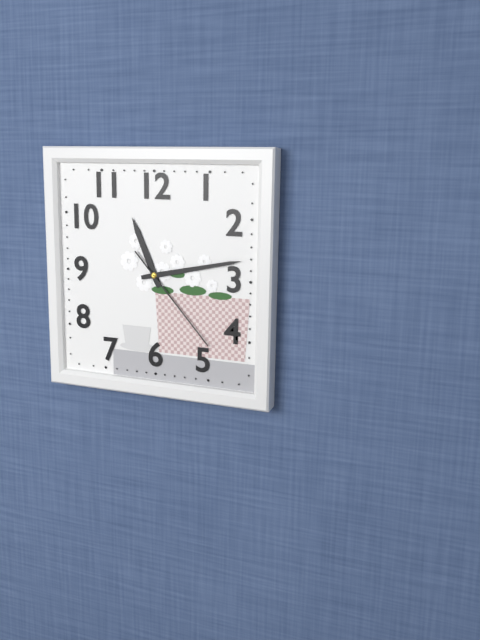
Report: 11:13:23
